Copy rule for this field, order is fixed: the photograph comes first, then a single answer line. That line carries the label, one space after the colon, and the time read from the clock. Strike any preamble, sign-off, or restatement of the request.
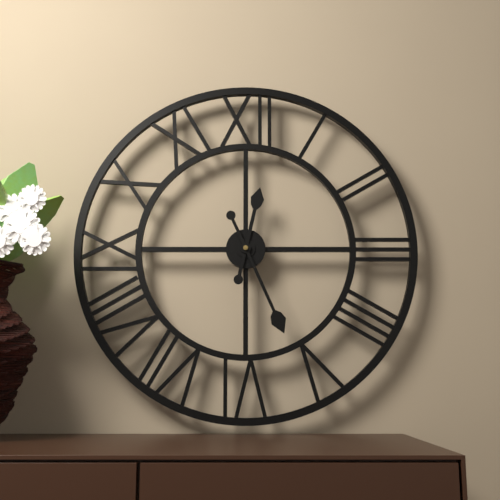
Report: 12:26
